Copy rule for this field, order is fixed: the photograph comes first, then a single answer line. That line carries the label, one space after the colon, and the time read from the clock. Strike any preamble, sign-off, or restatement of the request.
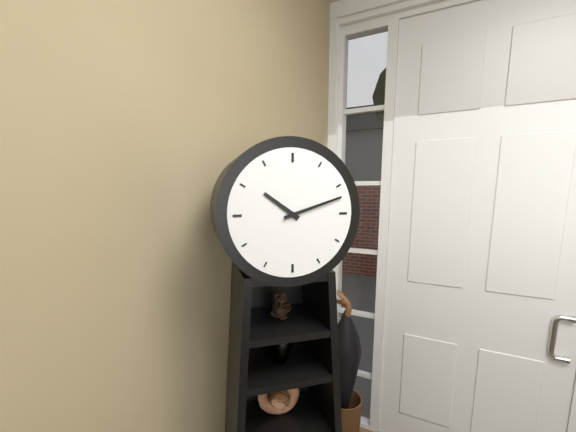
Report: 10:12
